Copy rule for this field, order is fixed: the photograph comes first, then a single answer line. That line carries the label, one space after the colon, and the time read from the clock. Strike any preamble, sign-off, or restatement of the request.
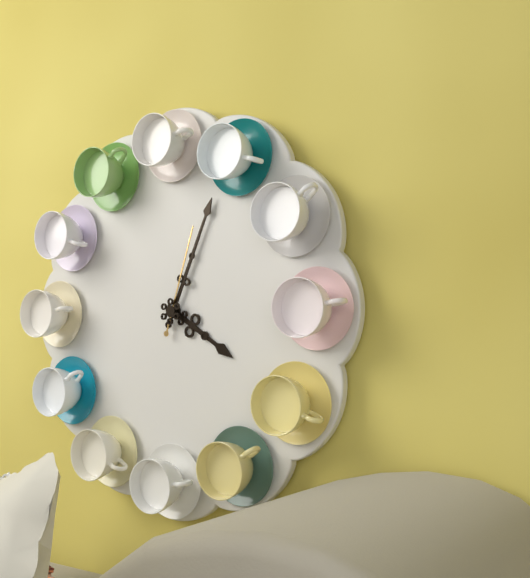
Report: 4:04:03
